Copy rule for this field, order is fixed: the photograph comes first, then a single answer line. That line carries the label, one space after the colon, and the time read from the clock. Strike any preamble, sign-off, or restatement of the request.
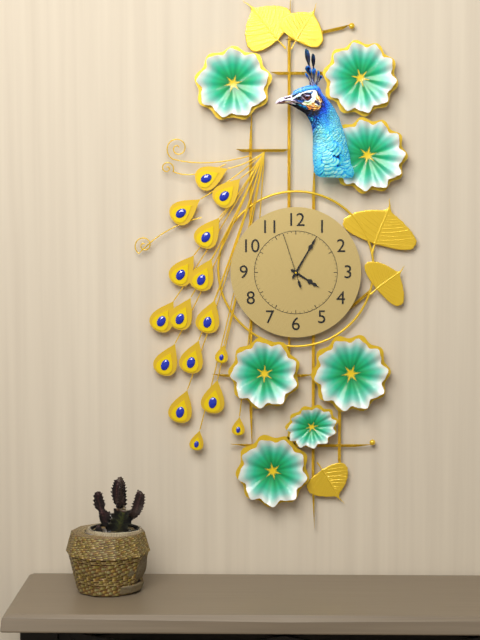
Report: 4:05:57
